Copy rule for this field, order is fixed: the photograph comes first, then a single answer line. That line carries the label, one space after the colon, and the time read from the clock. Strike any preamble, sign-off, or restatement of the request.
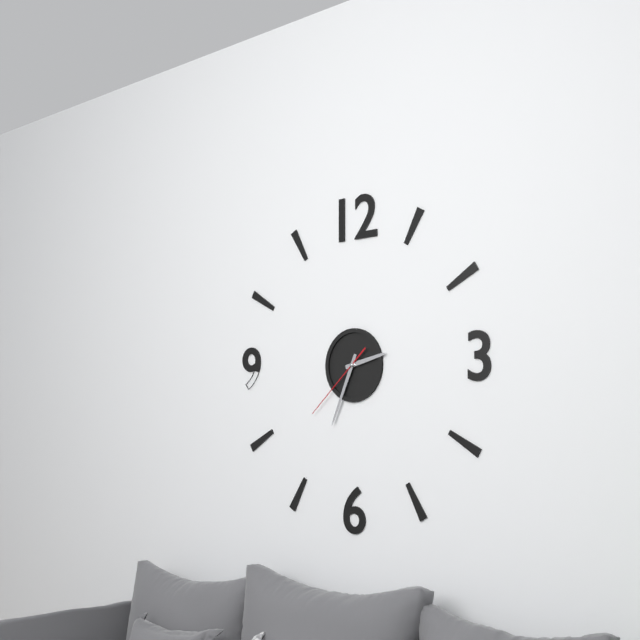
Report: 2:34:38
